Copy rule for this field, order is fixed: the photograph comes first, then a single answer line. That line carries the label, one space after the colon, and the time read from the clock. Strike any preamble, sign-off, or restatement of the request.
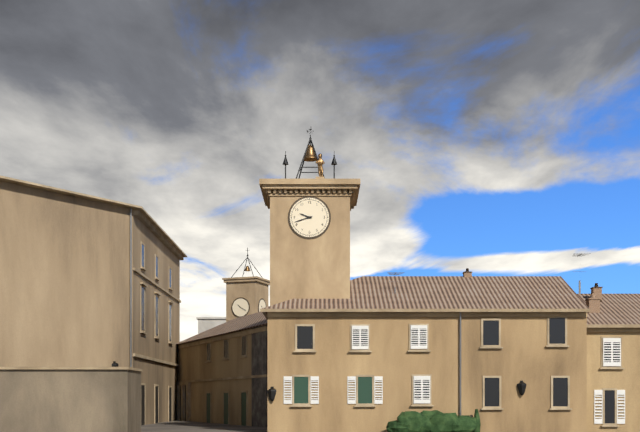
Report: 9:42
